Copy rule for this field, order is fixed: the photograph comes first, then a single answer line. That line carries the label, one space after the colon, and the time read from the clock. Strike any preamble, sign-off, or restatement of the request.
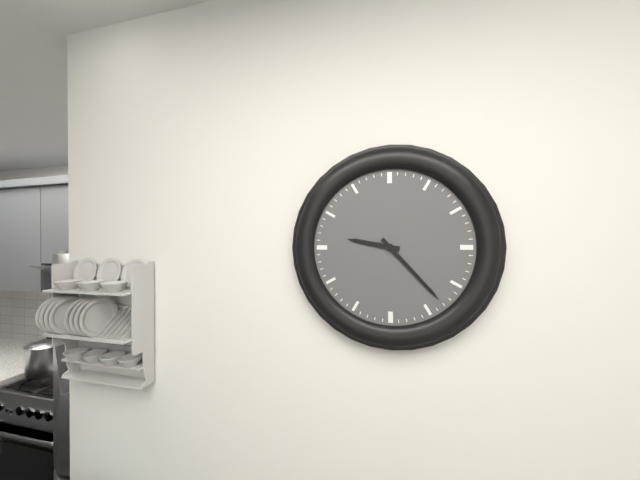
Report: 9:23
